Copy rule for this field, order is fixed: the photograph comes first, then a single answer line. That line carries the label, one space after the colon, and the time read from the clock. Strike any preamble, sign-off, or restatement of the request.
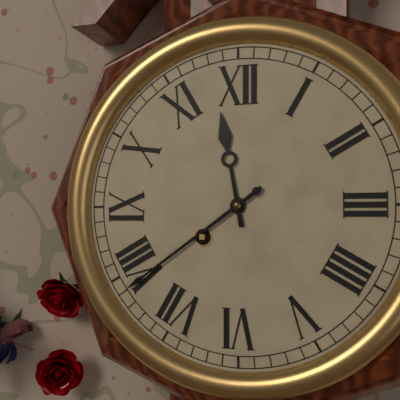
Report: 11:39
